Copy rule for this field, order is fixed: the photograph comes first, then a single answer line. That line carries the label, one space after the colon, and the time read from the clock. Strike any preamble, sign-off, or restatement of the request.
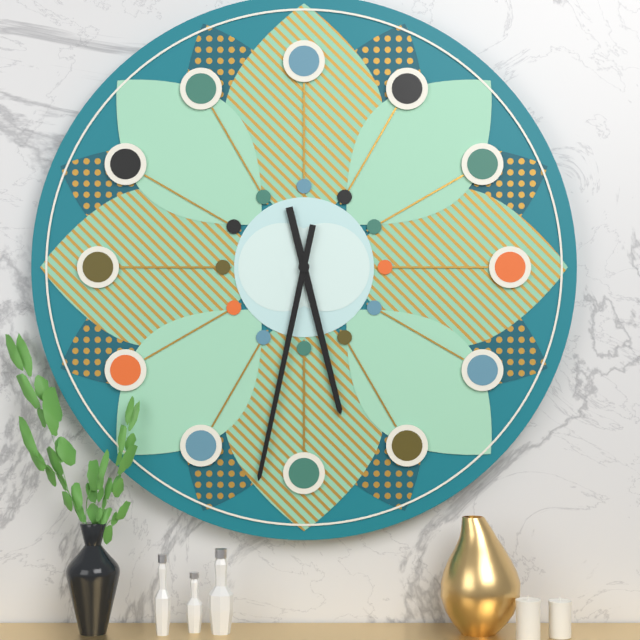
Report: 5:32
